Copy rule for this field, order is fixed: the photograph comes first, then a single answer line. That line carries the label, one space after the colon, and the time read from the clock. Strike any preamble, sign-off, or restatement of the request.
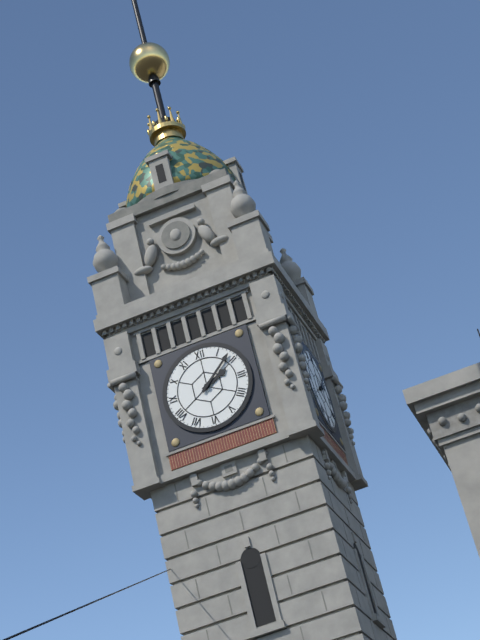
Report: 2:08
